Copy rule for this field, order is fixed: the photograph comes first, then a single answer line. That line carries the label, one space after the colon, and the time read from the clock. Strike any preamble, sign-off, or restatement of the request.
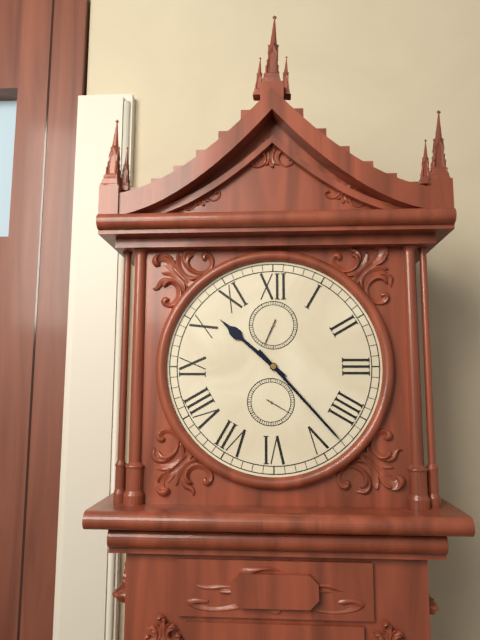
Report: 10:23
